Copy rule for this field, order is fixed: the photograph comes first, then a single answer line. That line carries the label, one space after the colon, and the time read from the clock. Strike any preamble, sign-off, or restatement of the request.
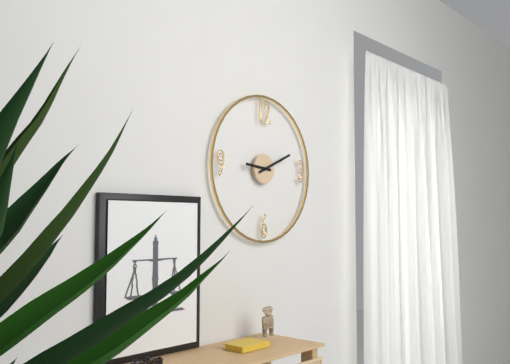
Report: 9:11
